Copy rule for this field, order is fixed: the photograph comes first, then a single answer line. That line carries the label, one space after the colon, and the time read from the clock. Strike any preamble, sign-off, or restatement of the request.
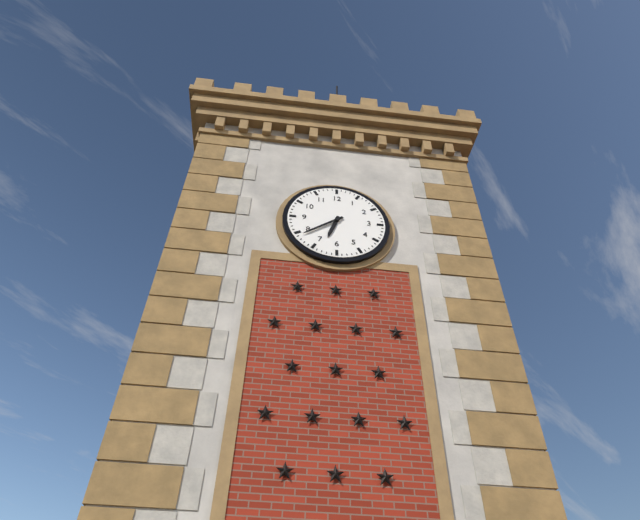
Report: 6:39
